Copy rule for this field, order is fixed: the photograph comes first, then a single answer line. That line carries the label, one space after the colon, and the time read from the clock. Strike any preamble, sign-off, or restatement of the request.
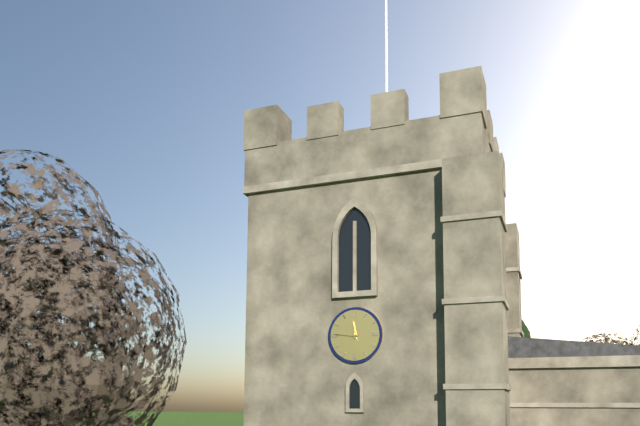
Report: 11:46
